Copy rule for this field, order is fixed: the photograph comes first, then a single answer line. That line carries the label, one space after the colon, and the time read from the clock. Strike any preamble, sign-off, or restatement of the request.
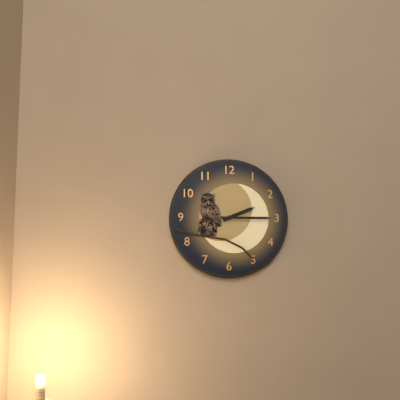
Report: 2:15
